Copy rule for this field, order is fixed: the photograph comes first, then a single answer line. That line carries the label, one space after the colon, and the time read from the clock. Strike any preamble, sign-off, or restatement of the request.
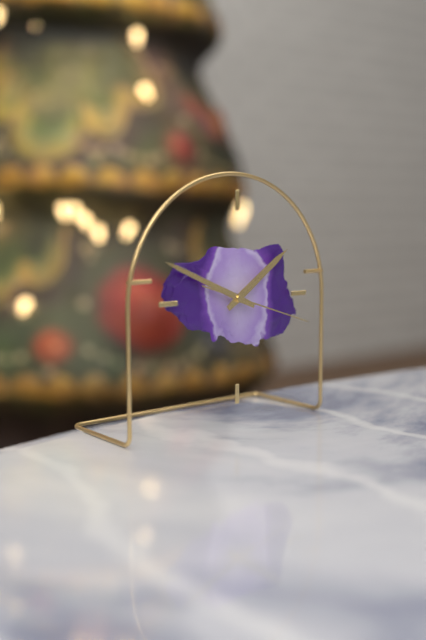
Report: 1:49:18
